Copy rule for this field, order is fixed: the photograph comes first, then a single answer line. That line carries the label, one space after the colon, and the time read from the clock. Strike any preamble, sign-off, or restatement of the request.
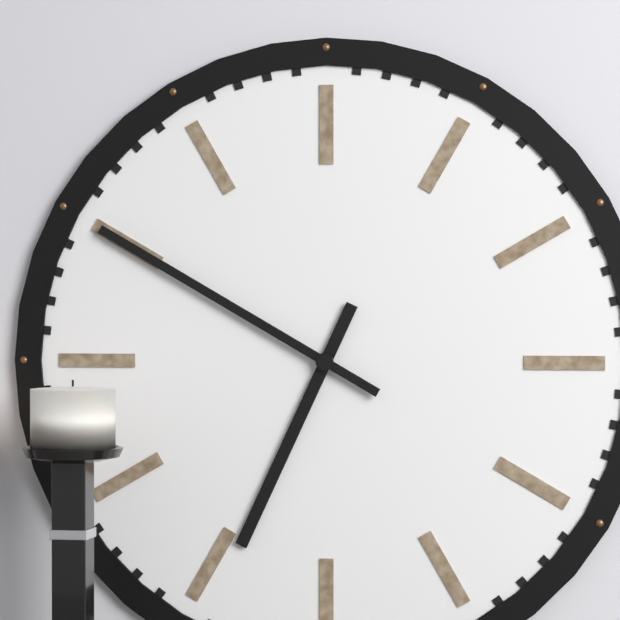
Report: 6:50
